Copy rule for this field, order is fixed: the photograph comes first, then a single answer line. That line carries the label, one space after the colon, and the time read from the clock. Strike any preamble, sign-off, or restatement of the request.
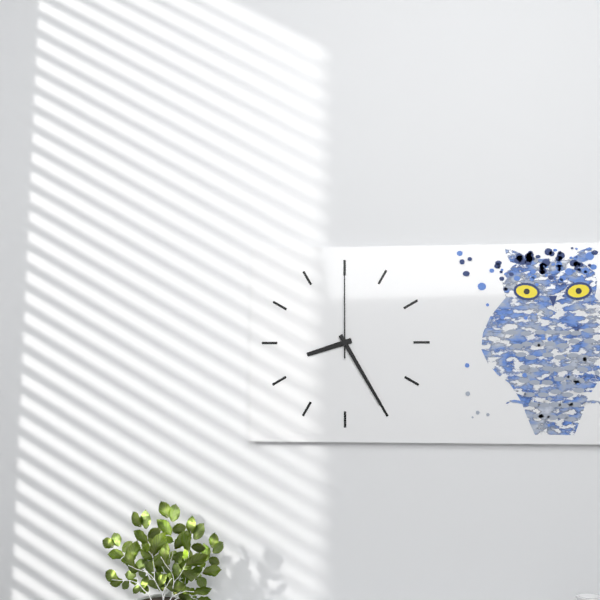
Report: 8:25:00
